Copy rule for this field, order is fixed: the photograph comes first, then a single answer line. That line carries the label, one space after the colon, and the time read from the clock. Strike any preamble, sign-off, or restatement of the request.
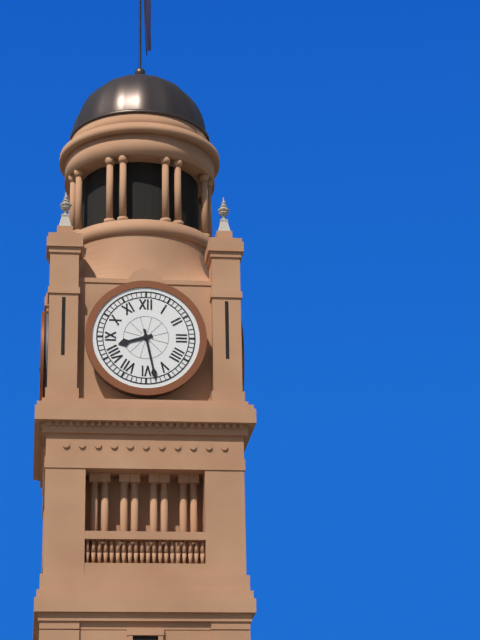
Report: 8:28
